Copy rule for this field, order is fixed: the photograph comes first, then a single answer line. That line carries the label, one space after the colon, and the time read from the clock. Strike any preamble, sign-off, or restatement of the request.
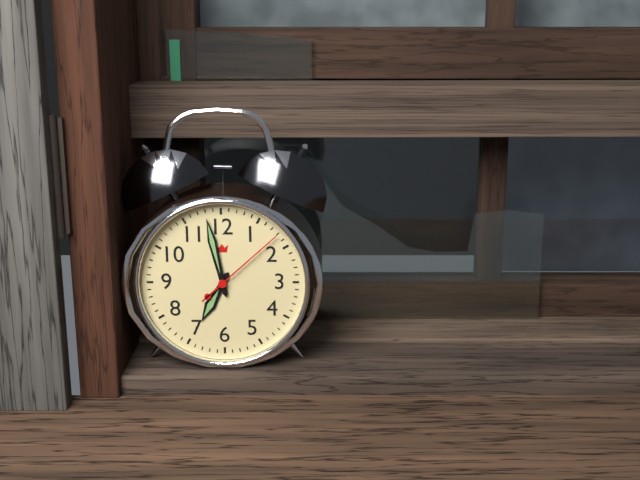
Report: 6:58:08
